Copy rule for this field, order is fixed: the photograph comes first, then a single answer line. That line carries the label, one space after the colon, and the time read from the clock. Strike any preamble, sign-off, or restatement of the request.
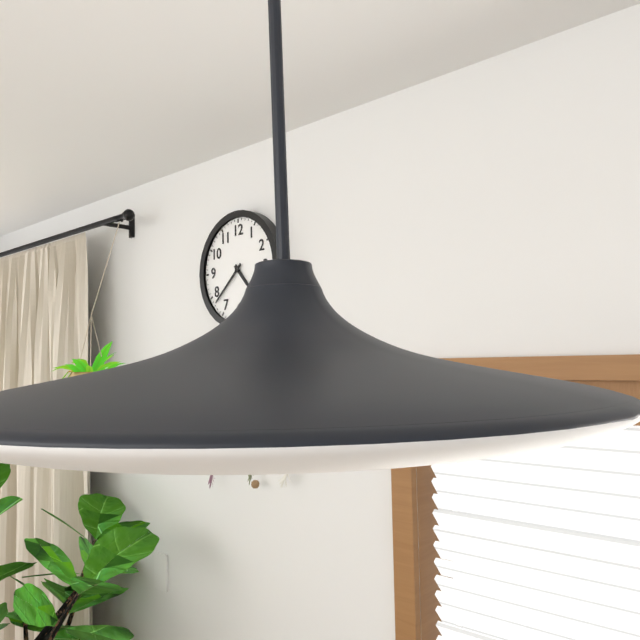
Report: 4:38
